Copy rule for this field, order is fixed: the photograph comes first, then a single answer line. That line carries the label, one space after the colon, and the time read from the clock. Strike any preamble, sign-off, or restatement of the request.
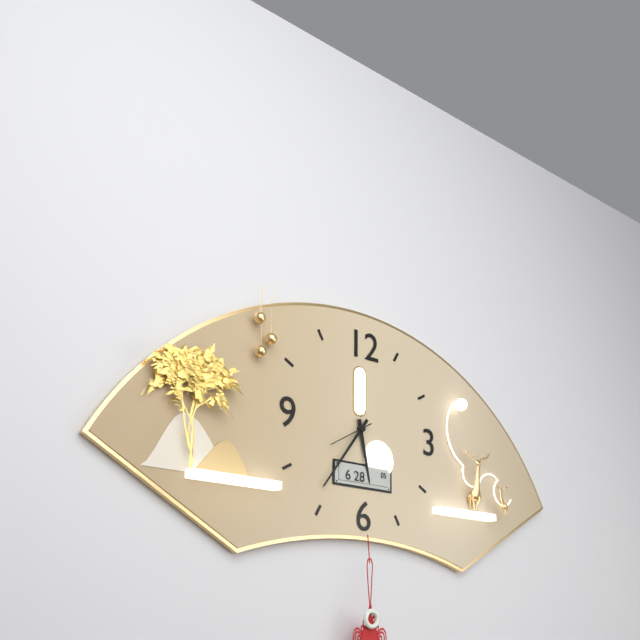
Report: 5:36
